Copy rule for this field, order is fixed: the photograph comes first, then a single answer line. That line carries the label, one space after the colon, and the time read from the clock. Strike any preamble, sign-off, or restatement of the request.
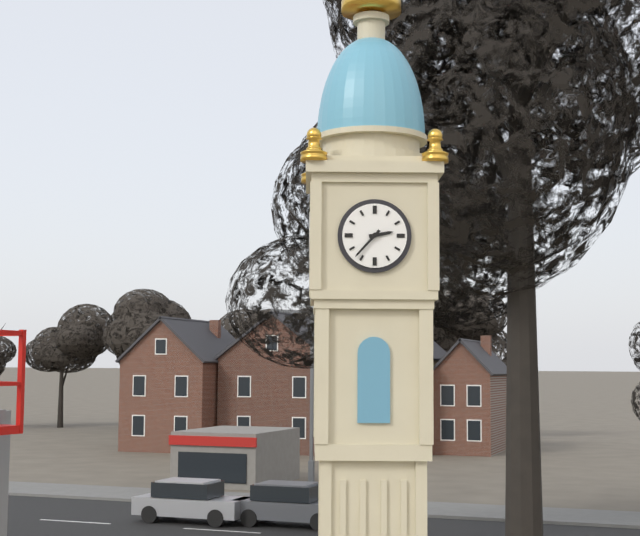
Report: 2:37
